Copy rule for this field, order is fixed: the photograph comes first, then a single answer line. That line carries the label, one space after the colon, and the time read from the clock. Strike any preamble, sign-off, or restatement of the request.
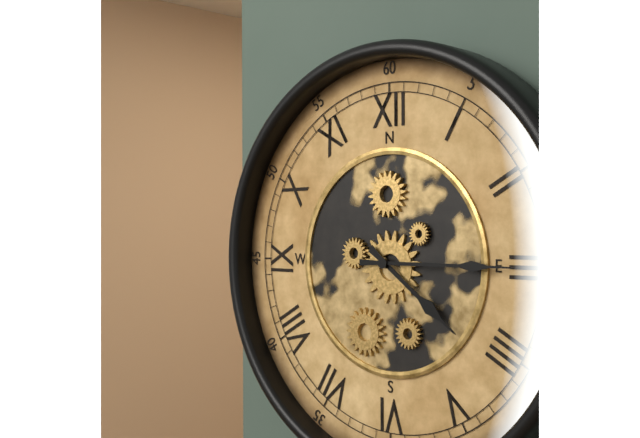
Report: 4:15
